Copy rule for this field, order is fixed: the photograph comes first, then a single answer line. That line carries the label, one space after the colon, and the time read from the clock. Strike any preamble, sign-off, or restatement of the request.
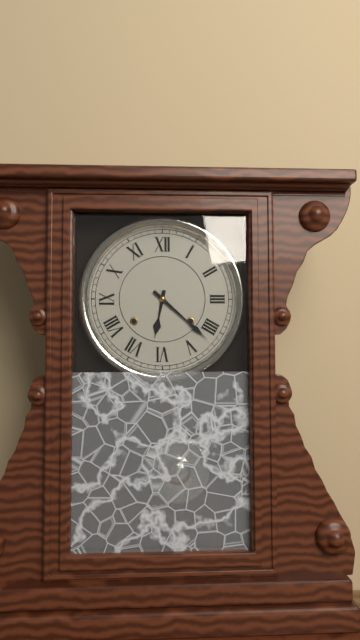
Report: 6:22
